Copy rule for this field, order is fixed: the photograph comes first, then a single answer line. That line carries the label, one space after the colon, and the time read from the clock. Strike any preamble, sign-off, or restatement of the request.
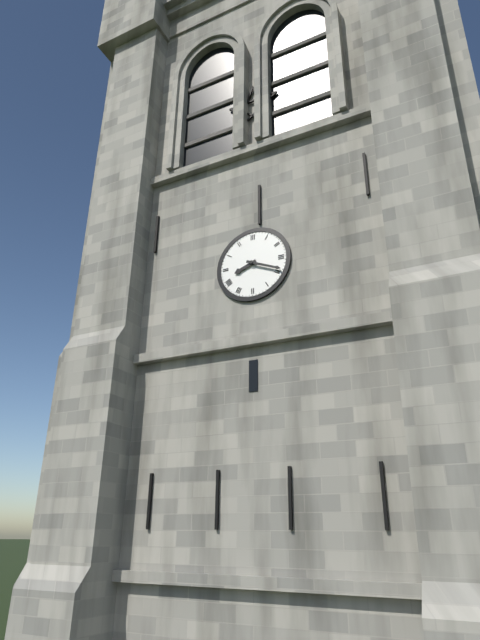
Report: 8:19
